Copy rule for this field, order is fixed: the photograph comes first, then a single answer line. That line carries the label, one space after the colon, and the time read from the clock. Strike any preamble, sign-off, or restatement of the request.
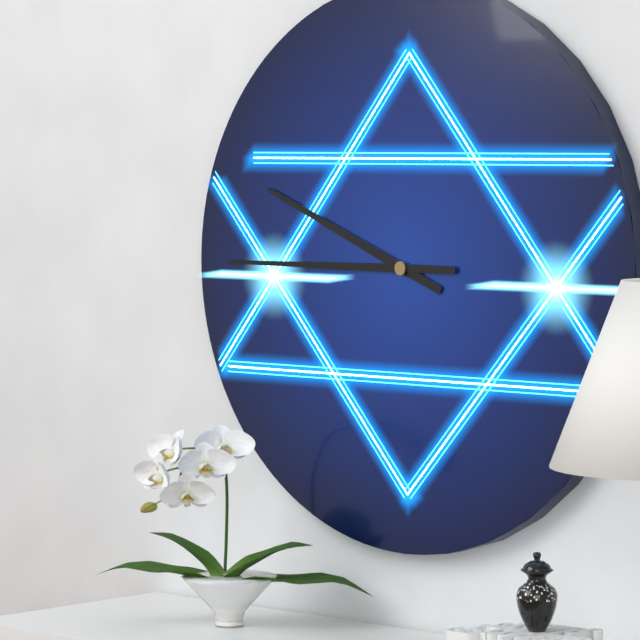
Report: 9:45
